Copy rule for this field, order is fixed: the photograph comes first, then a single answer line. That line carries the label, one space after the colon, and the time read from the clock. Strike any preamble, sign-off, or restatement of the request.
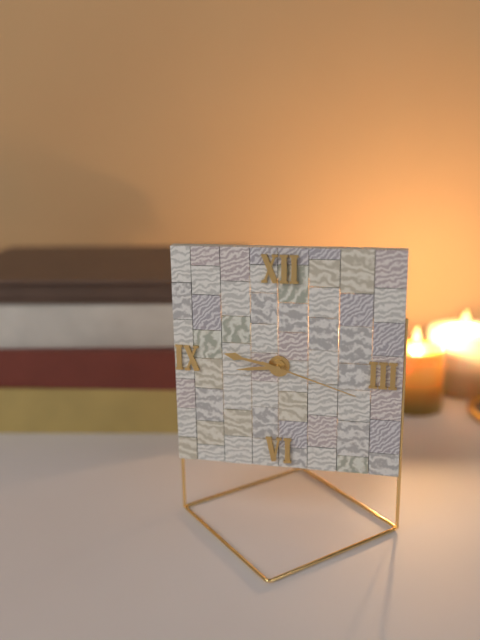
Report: 8:47:18
